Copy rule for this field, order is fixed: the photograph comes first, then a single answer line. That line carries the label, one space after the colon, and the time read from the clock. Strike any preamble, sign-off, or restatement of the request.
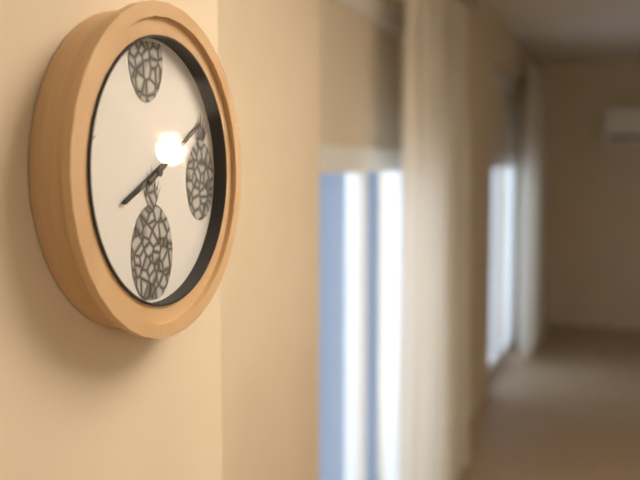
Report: 8:10
